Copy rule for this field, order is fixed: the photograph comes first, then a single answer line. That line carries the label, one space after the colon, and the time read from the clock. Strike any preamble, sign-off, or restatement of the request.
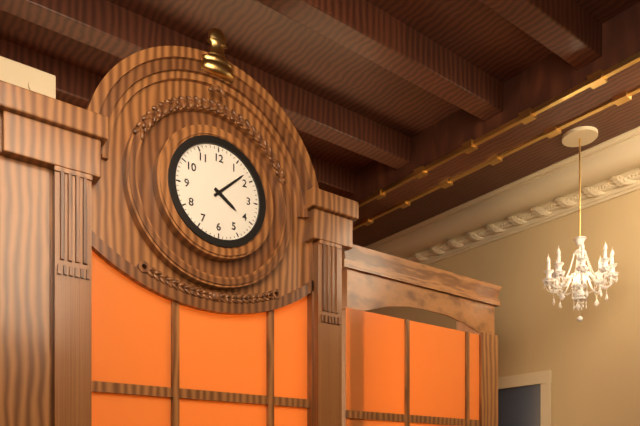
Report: 4:08
